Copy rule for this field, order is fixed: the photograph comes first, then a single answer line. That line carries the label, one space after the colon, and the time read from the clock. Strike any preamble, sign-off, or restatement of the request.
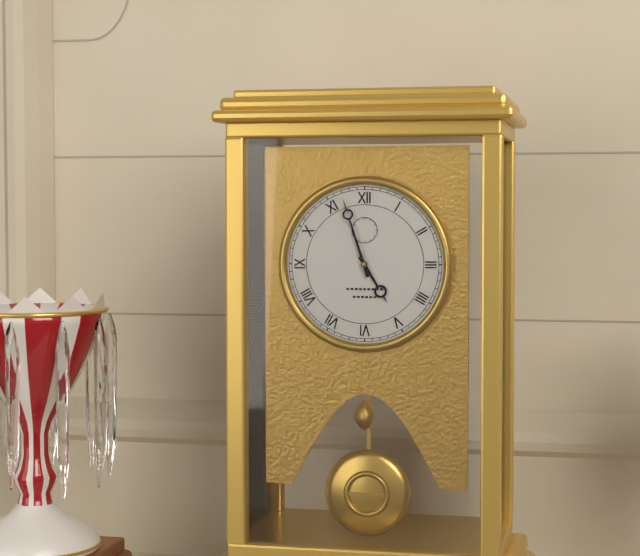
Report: 4:57
